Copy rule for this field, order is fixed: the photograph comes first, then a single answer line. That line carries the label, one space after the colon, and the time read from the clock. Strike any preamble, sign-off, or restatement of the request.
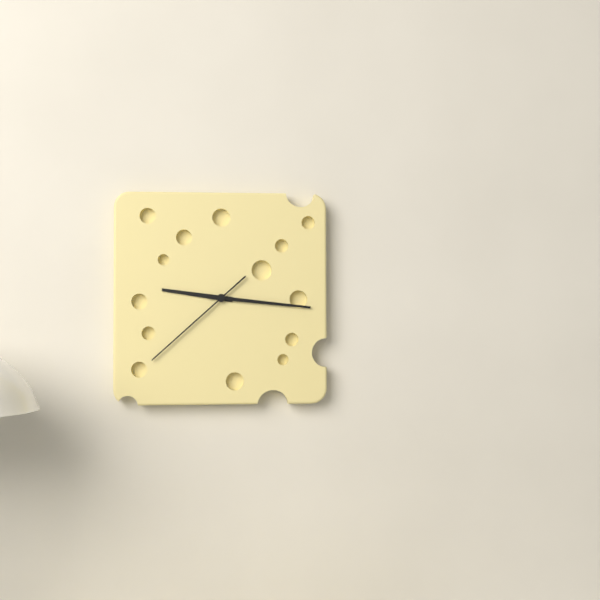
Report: 9:16:38
